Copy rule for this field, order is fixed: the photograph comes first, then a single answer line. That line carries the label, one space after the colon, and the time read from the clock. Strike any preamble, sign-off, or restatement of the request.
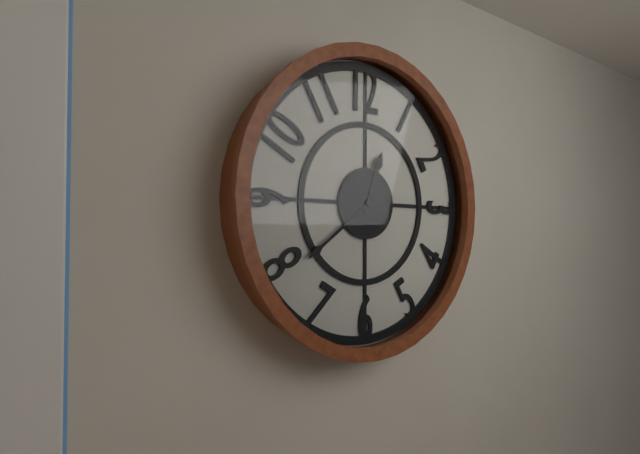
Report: 12:39
